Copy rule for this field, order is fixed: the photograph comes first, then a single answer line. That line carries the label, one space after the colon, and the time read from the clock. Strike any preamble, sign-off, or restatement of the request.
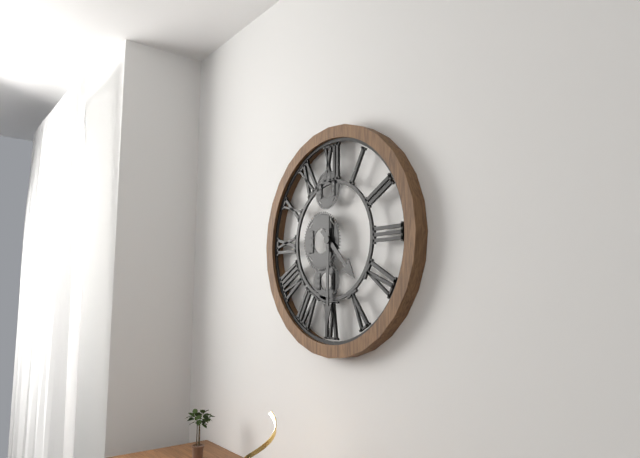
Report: 4:30
